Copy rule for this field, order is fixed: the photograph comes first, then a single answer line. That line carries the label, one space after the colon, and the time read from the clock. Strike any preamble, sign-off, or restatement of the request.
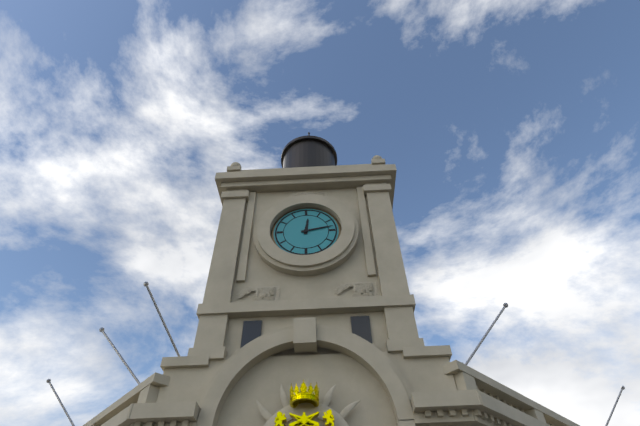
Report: 12:13
